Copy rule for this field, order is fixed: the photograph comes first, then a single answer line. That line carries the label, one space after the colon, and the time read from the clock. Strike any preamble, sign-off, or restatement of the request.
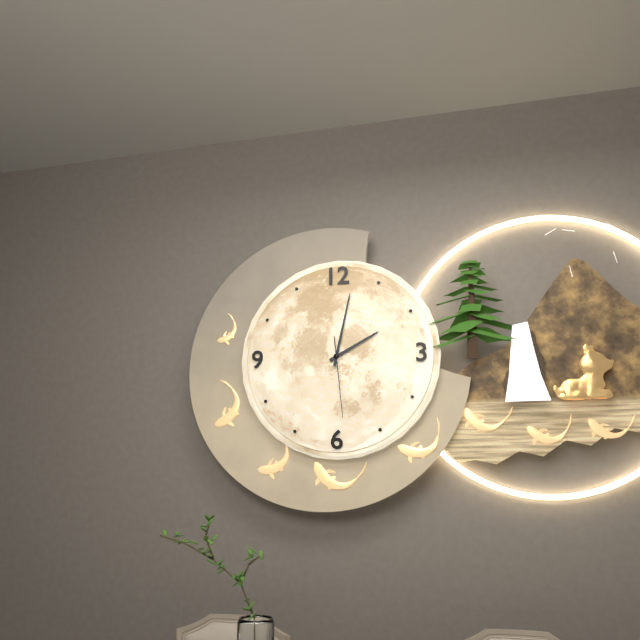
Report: 2:02:29
